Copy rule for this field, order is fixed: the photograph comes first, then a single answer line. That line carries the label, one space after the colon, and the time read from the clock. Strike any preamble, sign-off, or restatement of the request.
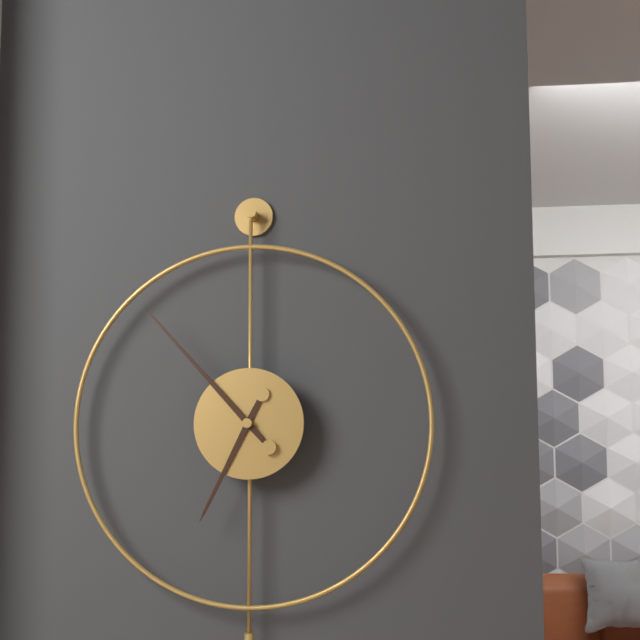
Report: 6:53
